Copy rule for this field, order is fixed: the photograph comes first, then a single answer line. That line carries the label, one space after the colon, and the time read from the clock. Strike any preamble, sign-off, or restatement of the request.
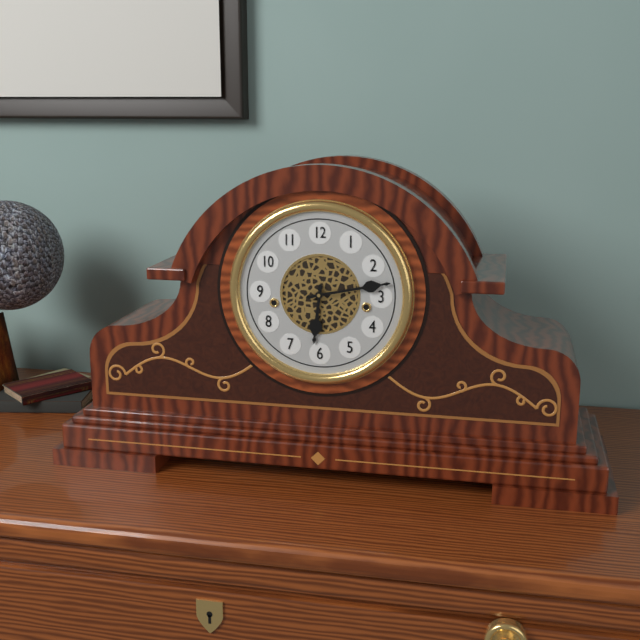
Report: 6:13
